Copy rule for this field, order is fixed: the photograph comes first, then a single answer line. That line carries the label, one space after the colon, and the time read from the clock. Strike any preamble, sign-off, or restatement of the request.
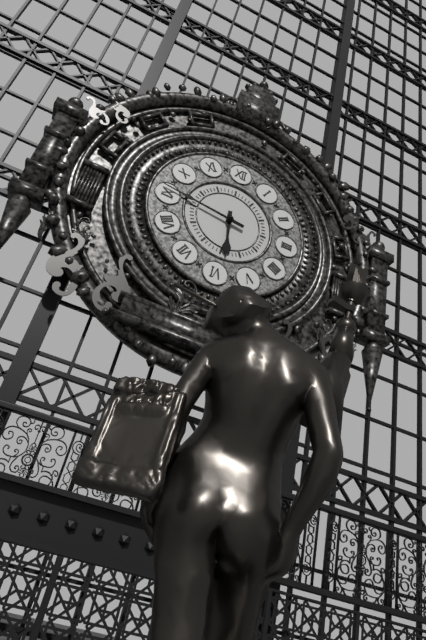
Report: 5:46
